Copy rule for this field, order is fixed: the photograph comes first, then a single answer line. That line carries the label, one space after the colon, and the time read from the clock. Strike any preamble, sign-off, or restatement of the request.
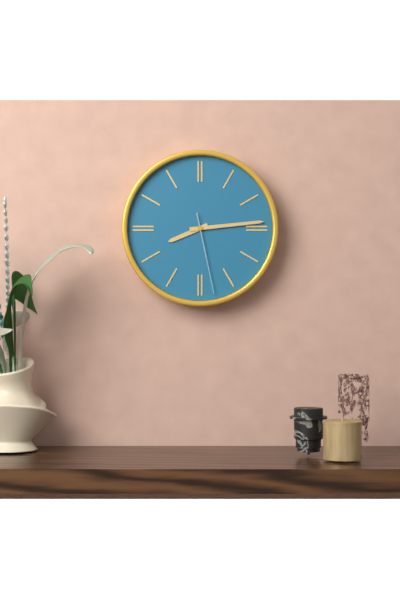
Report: 8:14:28
